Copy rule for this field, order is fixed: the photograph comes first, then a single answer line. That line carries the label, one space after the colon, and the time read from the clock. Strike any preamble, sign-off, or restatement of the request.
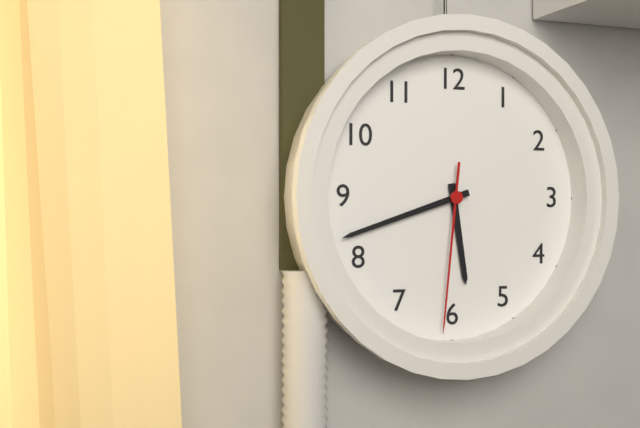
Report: 5:42:31
